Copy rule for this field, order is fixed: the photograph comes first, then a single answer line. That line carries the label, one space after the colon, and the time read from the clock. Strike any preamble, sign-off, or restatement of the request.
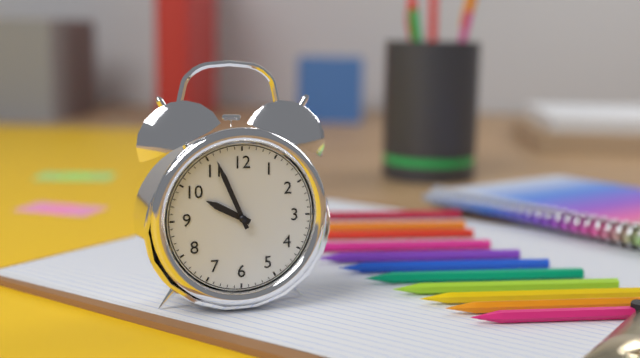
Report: 9:56
